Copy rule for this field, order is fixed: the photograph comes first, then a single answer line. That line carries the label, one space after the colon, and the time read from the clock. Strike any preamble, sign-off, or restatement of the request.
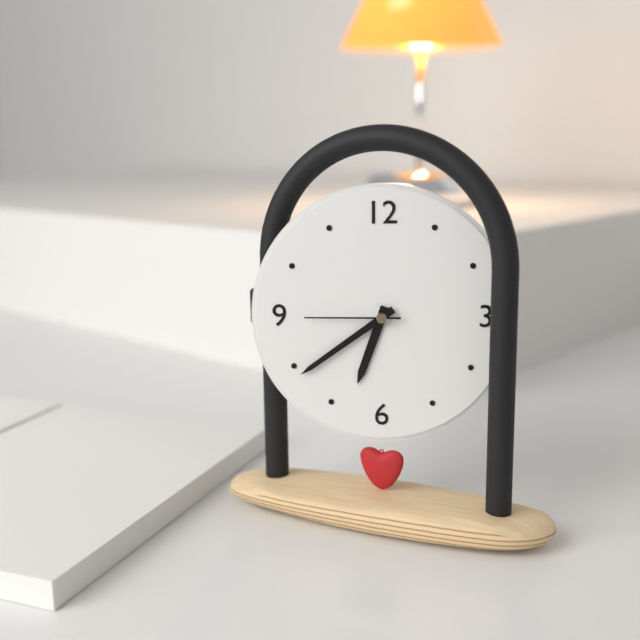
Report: 6:39:45
